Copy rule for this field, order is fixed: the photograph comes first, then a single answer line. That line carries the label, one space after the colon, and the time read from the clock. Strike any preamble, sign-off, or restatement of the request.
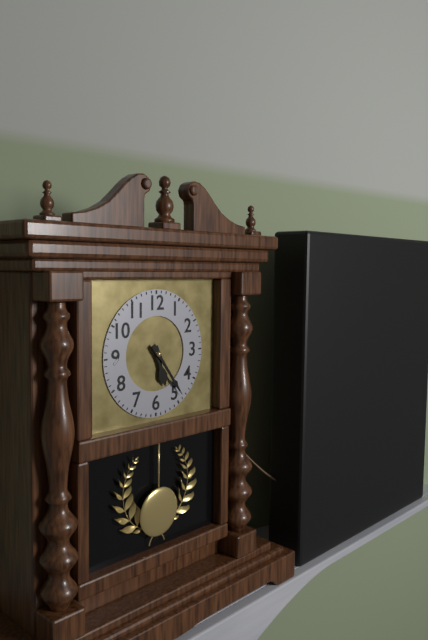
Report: 5:24
